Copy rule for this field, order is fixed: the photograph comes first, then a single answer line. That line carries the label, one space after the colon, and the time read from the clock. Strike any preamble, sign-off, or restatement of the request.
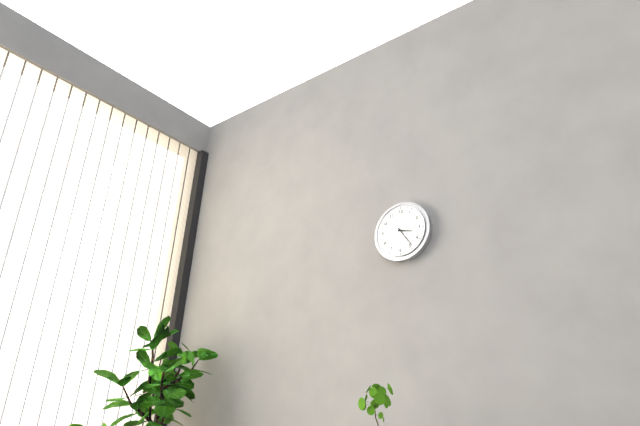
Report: 3:24
